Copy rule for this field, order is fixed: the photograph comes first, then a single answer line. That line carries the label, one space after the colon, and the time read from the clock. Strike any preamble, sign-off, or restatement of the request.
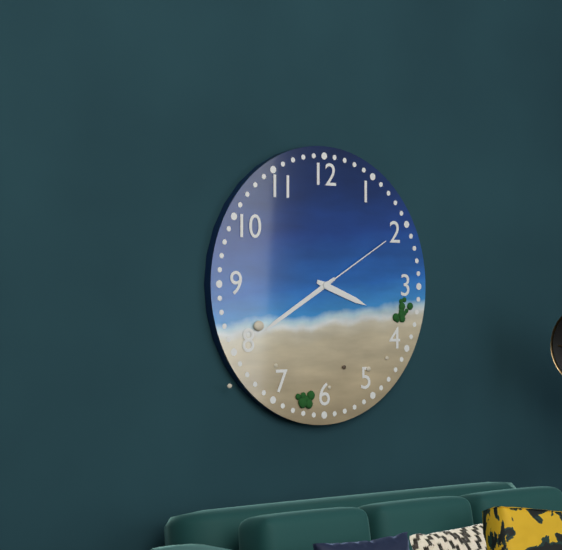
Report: 3:40:10
